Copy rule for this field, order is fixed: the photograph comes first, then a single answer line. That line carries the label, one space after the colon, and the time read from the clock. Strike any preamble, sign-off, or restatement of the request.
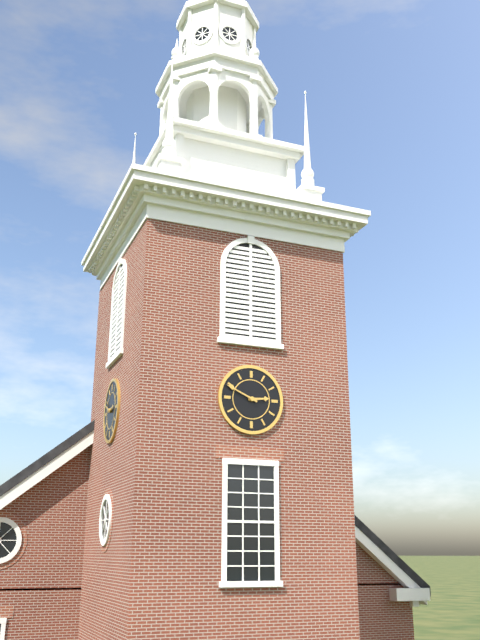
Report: 2:49
